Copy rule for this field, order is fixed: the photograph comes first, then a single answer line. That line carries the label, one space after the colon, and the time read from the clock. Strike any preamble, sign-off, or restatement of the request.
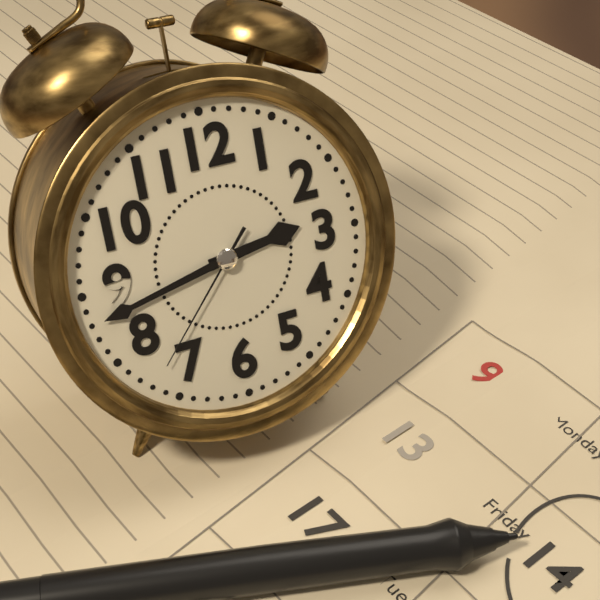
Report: 2:43:37
